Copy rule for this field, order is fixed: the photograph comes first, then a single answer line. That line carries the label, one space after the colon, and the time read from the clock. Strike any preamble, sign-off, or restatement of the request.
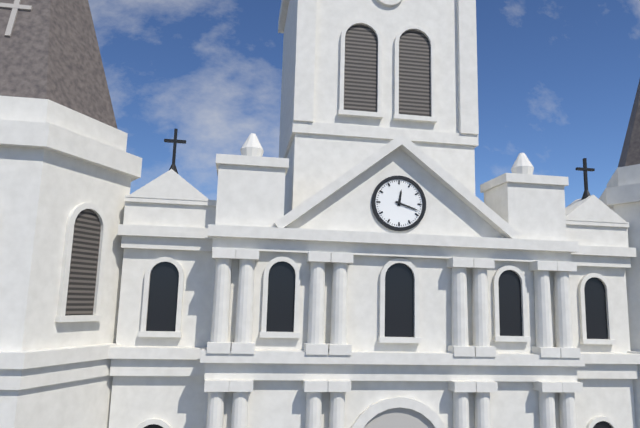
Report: 12:18
